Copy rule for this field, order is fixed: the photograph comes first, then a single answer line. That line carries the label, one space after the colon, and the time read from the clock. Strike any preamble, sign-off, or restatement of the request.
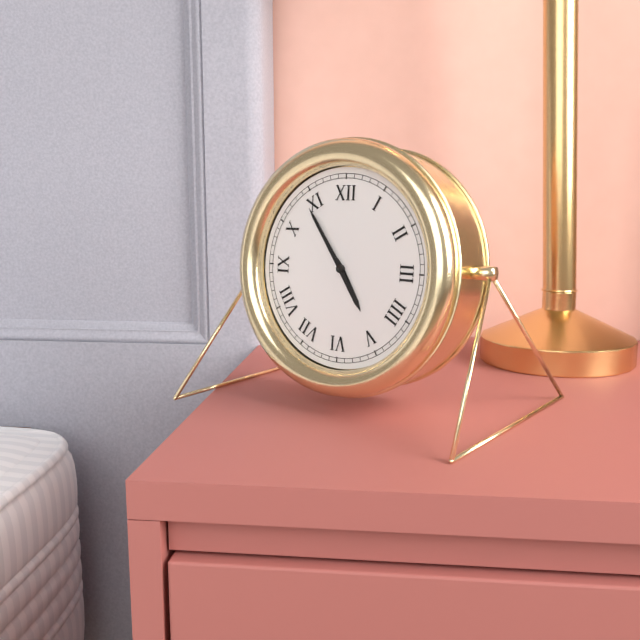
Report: 4:54
